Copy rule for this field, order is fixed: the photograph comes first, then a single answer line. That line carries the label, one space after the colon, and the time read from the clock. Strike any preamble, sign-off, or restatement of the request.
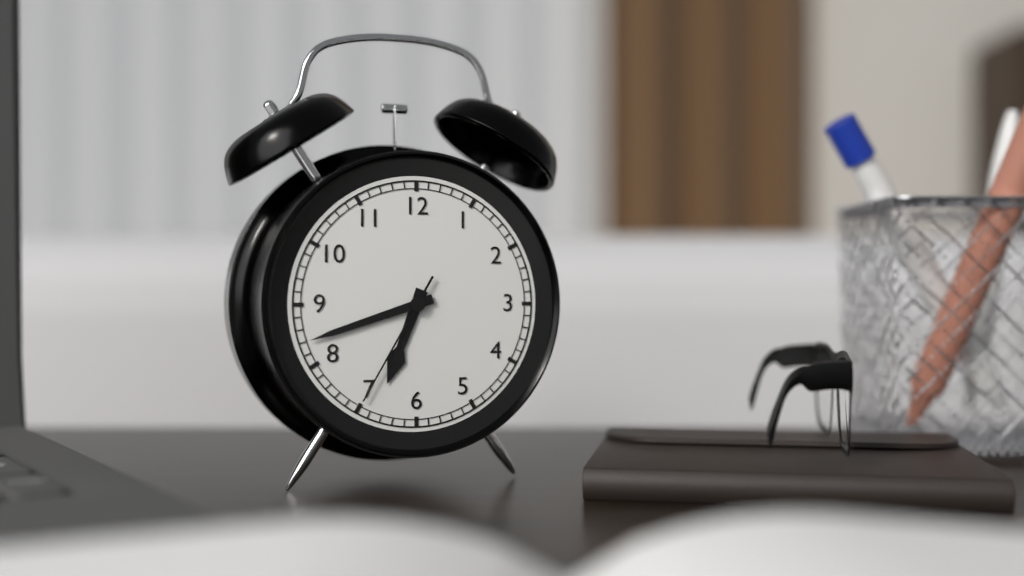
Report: 6:42:35
